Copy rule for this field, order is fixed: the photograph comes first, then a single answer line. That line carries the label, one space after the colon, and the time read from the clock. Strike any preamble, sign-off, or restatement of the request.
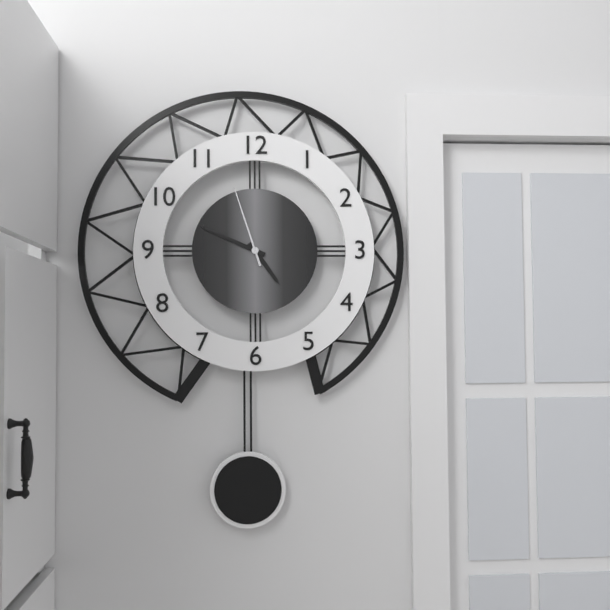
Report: 4:49:57
